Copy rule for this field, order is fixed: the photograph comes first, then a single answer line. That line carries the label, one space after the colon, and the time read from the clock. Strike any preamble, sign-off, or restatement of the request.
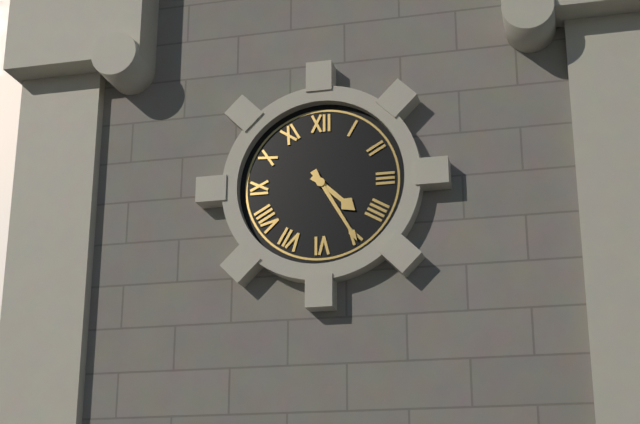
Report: 4:25
